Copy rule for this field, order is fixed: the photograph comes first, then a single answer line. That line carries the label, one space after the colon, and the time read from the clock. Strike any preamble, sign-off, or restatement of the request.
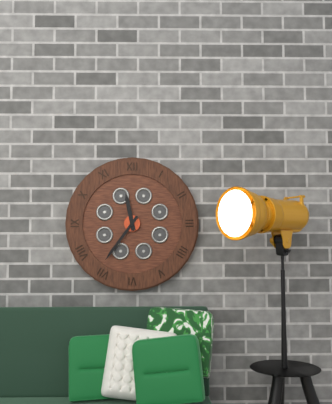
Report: 11:36
